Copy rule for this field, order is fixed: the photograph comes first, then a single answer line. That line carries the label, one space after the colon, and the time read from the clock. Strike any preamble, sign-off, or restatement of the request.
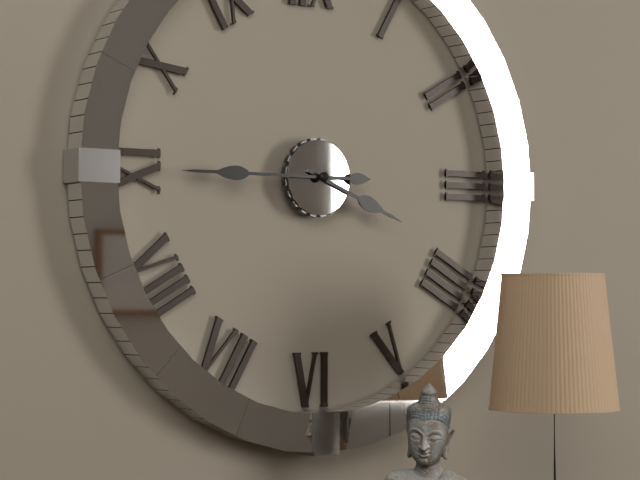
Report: 3:45
